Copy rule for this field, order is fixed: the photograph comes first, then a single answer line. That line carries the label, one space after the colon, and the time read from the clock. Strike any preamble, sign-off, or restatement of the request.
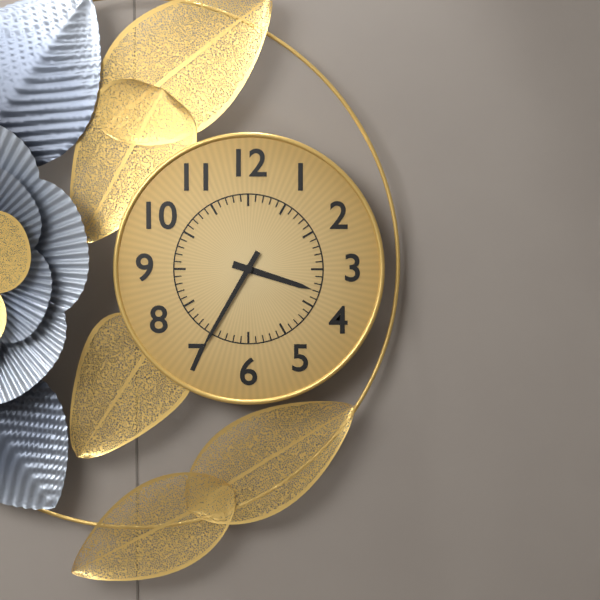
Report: 3:35
